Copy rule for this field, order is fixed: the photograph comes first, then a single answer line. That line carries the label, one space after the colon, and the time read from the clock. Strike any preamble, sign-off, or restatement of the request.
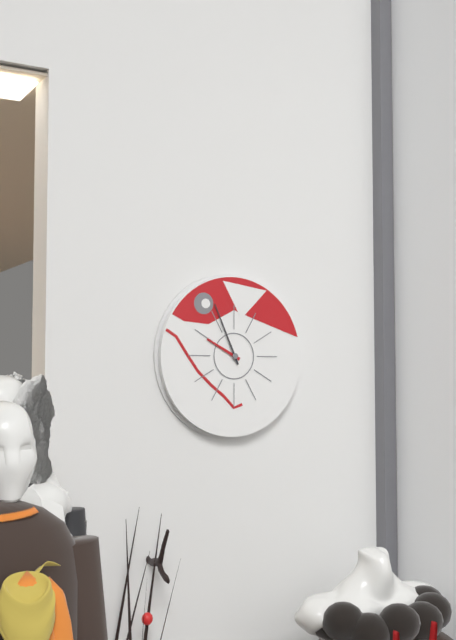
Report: 9:56
